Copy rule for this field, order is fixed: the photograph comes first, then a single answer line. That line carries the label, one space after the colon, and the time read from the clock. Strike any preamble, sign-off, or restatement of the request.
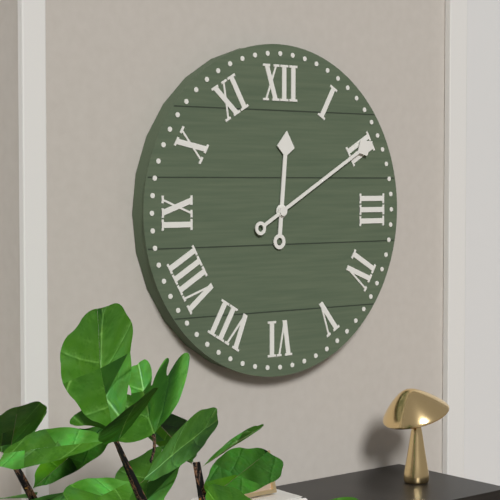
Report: 12:10
